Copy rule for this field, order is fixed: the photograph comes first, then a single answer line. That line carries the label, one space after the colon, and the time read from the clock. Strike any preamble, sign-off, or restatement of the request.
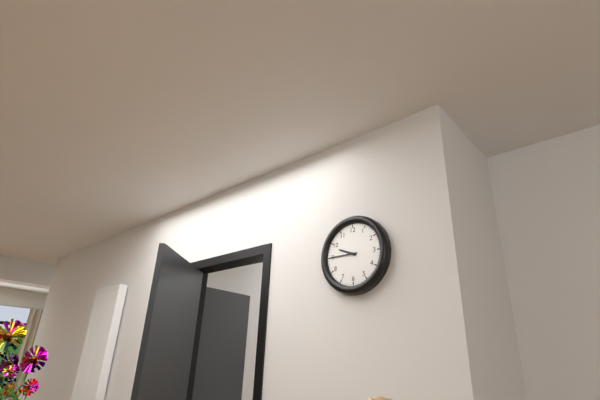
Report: 9:45
